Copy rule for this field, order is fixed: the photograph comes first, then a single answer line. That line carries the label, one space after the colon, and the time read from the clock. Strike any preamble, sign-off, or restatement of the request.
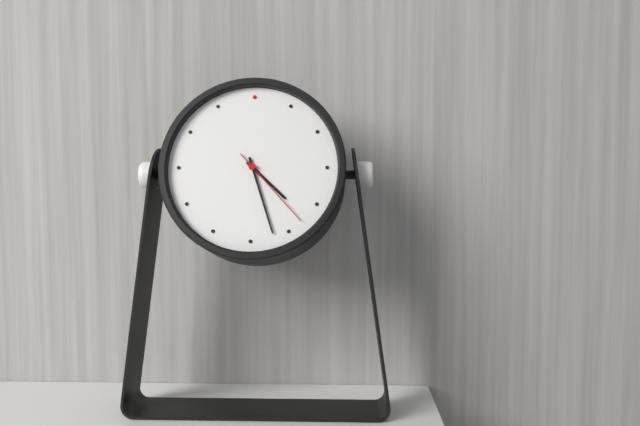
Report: 4:27:23
